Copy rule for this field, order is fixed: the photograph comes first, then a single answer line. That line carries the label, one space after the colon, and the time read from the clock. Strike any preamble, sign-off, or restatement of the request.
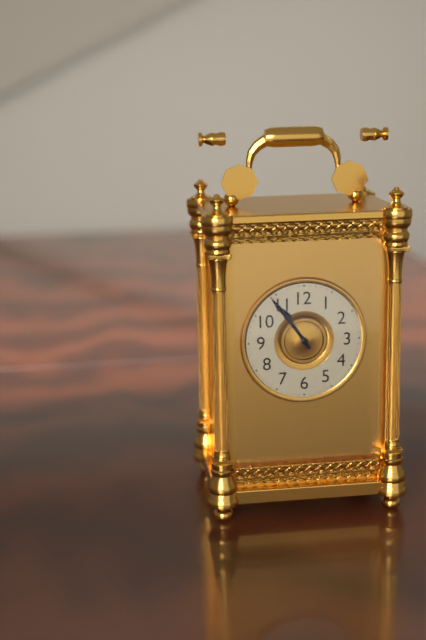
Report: 10:54
